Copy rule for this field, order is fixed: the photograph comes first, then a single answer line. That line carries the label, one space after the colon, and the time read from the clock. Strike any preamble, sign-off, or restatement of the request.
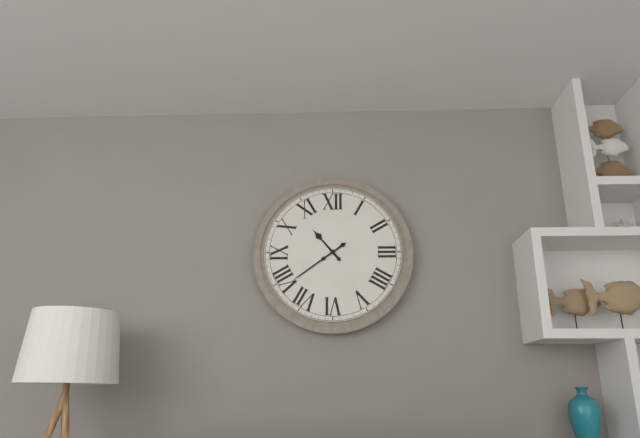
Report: 10:39
